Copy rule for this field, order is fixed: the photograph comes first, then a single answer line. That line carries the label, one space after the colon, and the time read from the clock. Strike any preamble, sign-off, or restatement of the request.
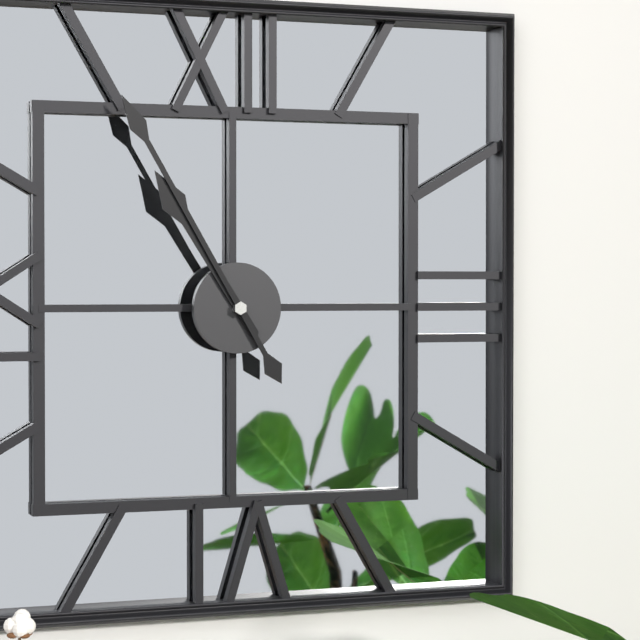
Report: 10:55
